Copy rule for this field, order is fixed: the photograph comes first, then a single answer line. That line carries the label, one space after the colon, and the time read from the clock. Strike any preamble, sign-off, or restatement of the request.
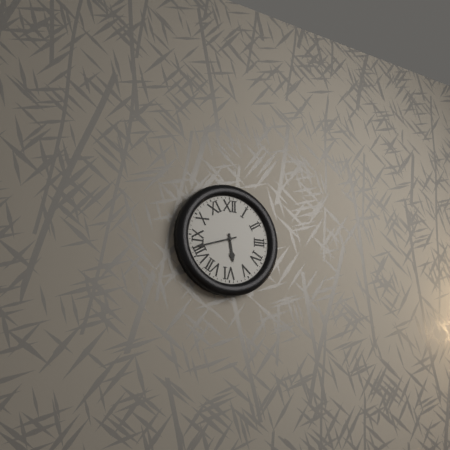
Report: 5:42
